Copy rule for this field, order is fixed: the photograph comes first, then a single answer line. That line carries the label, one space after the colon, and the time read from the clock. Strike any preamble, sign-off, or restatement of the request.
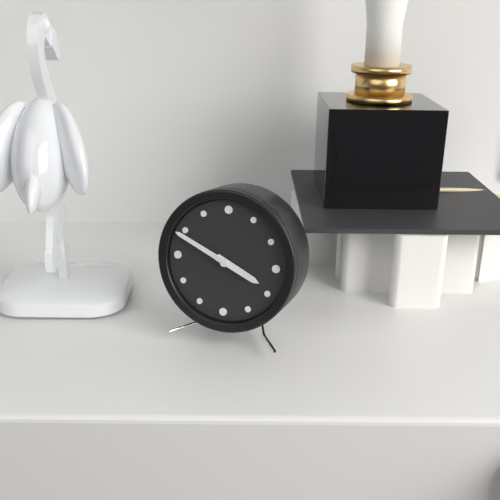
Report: 3:49
